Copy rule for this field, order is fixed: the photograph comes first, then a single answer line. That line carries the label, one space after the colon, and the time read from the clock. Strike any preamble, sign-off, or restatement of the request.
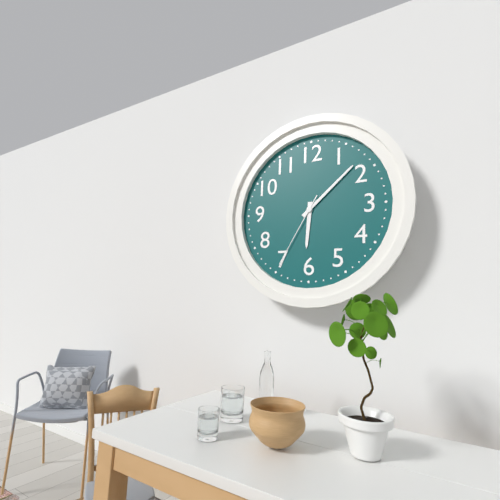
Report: 6:08:35
